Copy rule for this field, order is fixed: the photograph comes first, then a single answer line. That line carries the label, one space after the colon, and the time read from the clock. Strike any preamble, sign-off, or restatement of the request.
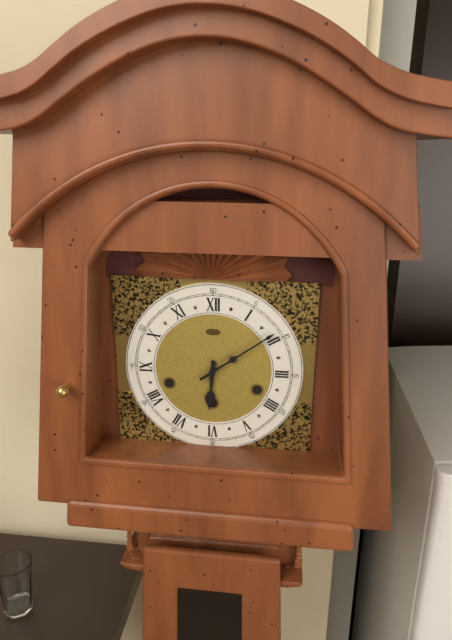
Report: 6:09
